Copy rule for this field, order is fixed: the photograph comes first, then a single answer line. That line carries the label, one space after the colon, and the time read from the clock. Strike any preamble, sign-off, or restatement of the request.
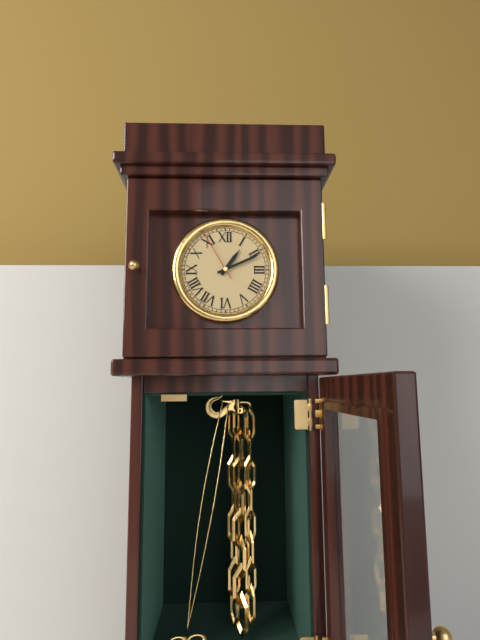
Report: 1:11:55
